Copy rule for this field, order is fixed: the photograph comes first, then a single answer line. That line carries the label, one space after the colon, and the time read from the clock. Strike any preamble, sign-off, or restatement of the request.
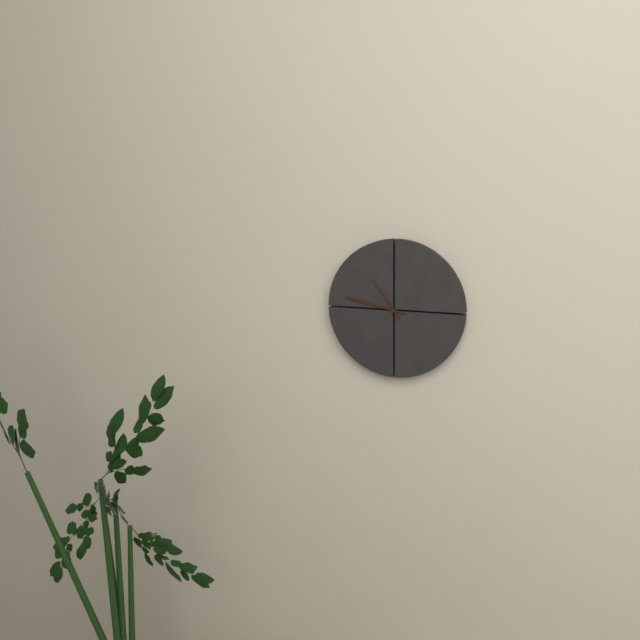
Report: 10:47
